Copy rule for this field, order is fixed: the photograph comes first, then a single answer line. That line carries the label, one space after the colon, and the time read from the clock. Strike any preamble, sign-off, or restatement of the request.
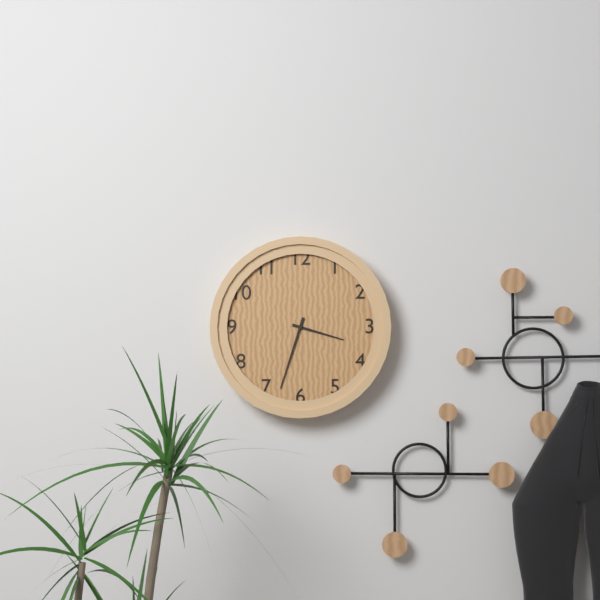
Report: 3:33
